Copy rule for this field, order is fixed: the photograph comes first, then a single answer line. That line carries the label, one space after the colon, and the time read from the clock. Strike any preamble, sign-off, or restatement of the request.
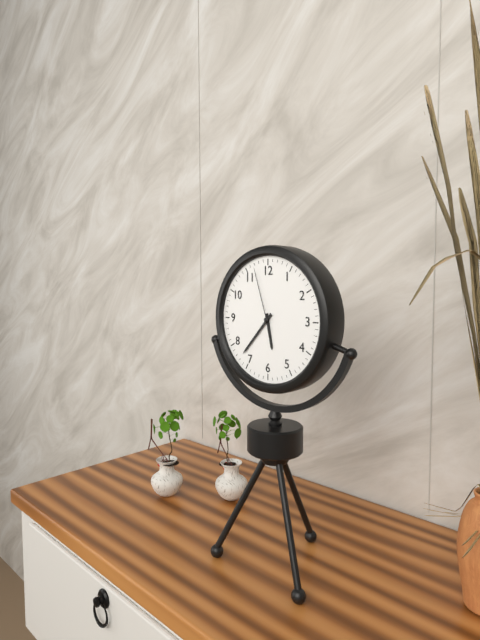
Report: 5:37:57
